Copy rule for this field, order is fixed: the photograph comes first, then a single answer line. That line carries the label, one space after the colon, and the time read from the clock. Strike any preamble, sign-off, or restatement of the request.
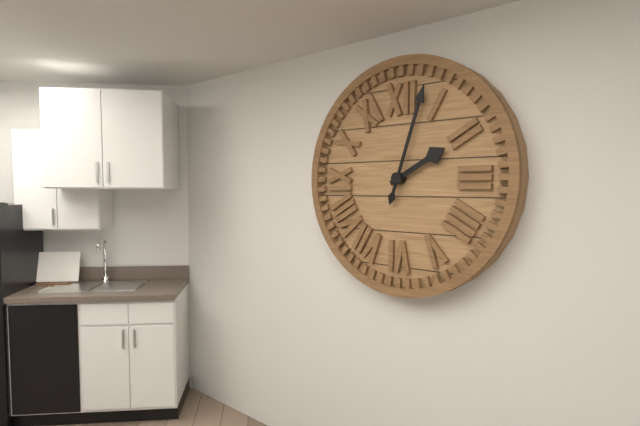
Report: 2:03
